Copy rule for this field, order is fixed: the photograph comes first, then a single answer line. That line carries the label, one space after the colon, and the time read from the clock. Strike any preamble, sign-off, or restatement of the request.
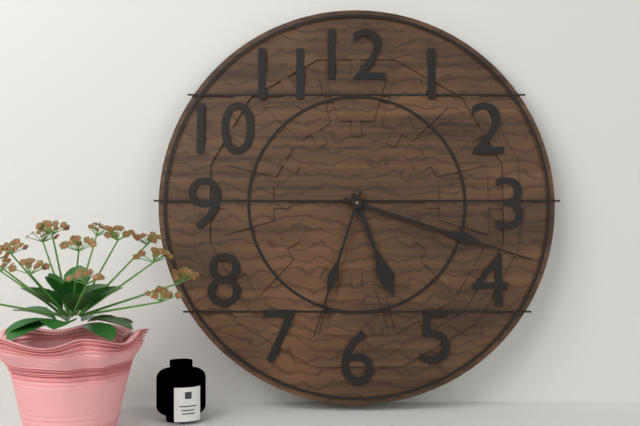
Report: 5:18:33
